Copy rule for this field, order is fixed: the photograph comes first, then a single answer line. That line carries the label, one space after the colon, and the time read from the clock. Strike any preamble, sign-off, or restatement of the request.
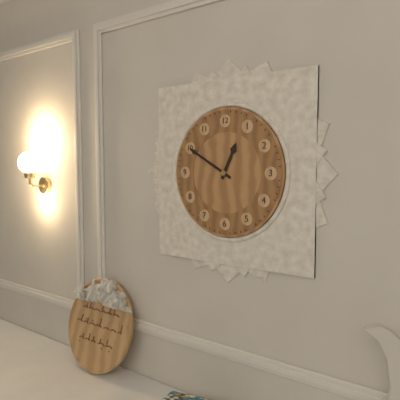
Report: 12:50
